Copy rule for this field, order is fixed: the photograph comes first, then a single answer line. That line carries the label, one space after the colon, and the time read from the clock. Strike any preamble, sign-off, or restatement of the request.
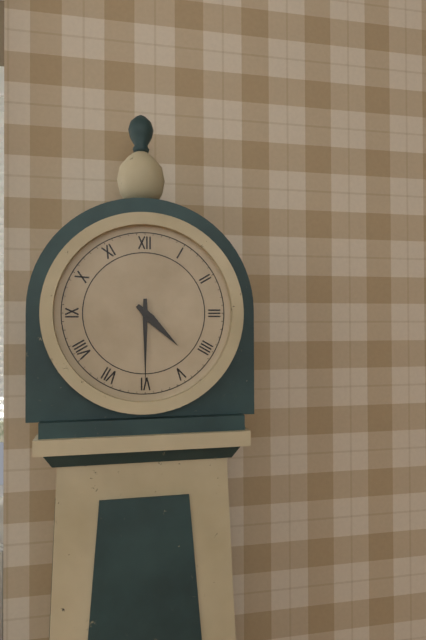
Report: 4:30
